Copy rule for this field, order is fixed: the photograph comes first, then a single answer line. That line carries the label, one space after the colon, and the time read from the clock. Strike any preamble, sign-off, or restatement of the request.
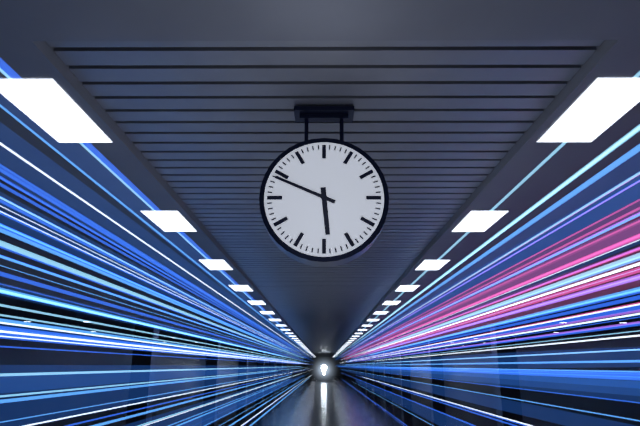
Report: 5:49
